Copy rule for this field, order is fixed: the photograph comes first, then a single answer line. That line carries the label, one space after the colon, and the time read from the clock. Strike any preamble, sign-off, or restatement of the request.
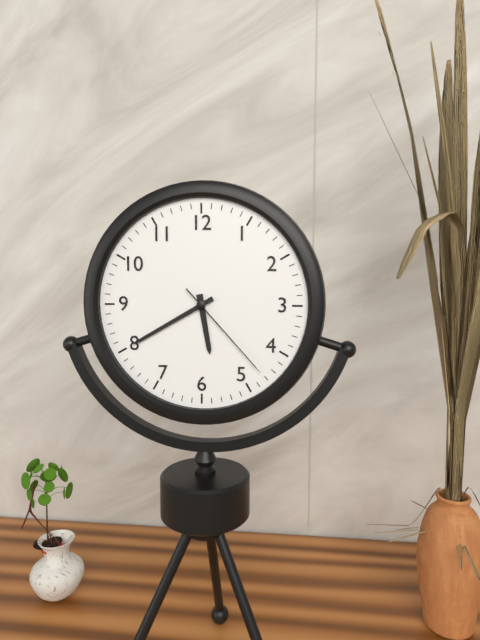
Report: 5:40:23
